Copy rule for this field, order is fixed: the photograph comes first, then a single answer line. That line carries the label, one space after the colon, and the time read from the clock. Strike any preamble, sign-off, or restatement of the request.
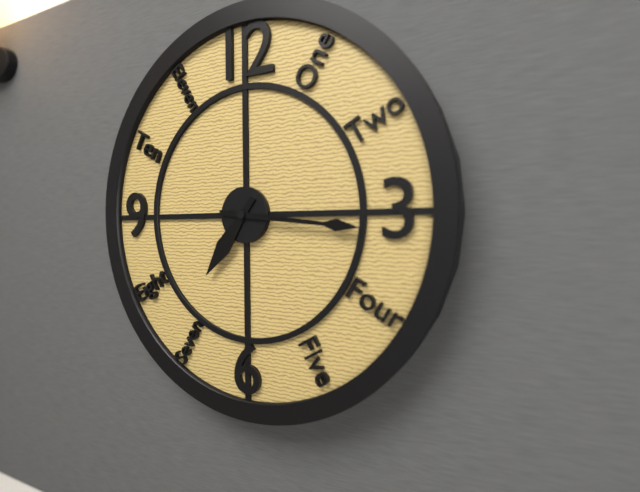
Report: 7:16
